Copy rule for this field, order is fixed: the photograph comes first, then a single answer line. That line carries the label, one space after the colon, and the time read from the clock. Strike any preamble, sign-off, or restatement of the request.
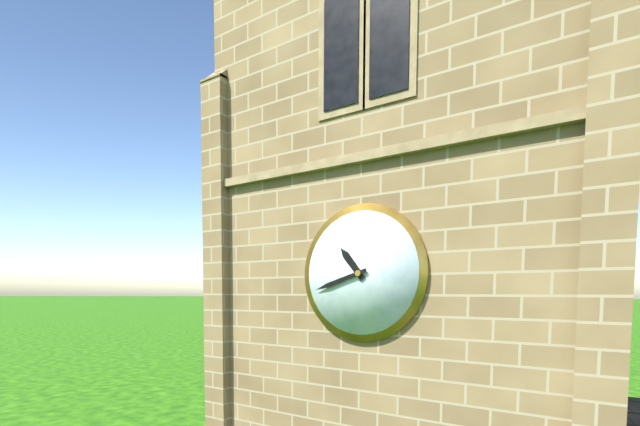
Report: 10:42
